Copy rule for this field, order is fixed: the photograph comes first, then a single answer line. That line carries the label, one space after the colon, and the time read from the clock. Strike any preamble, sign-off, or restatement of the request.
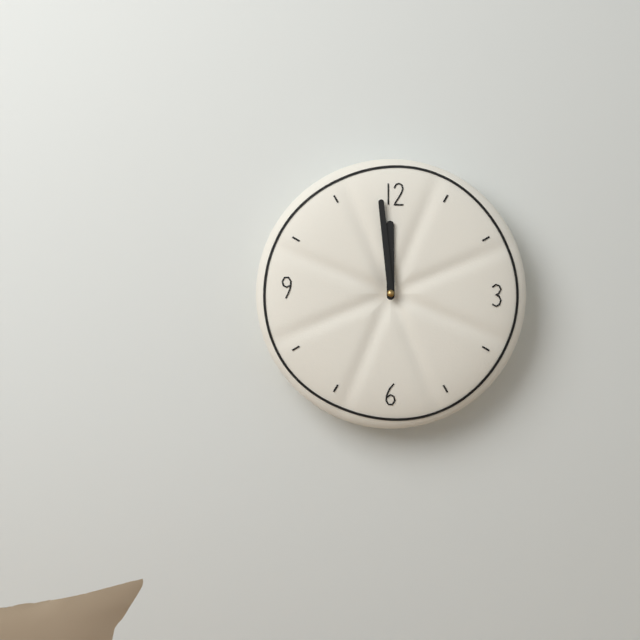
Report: 11:59
